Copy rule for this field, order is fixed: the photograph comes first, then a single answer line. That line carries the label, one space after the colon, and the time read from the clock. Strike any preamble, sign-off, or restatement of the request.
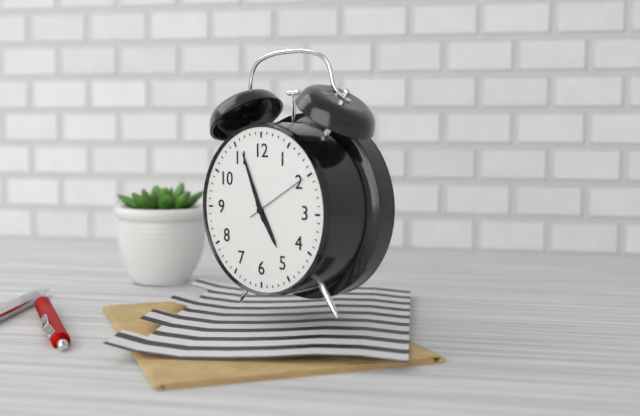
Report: 4:56
